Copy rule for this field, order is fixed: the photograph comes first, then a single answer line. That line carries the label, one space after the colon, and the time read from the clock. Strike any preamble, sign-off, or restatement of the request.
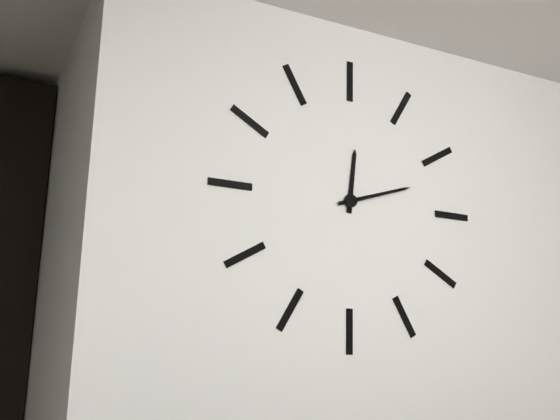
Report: 12:12
